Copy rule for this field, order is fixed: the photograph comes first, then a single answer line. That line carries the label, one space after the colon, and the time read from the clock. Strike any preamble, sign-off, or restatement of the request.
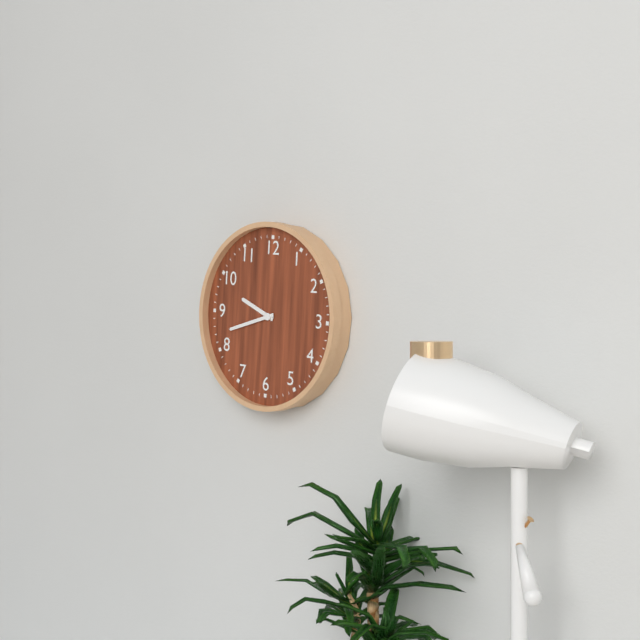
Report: 9:42
